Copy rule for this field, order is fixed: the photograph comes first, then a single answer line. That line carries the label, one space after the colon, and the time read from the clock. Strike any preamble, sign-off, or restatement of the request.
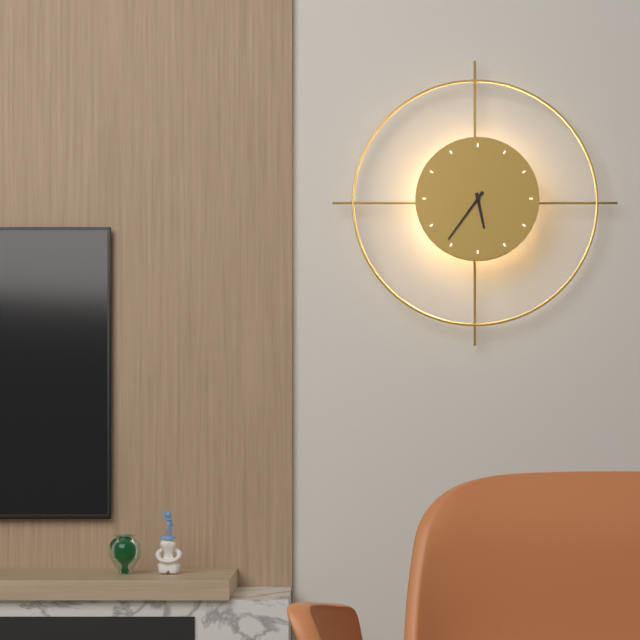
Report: 5:36
